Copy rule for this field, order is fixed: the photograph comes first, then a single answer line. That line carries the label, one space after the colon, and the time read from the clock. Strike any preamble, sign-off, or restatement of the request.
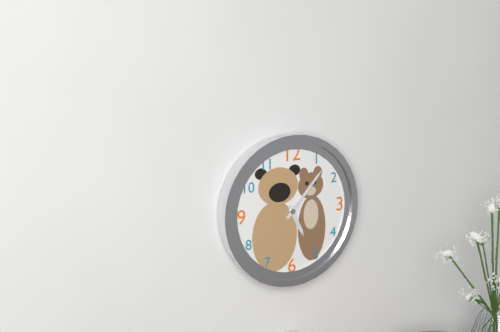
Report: 5:07
